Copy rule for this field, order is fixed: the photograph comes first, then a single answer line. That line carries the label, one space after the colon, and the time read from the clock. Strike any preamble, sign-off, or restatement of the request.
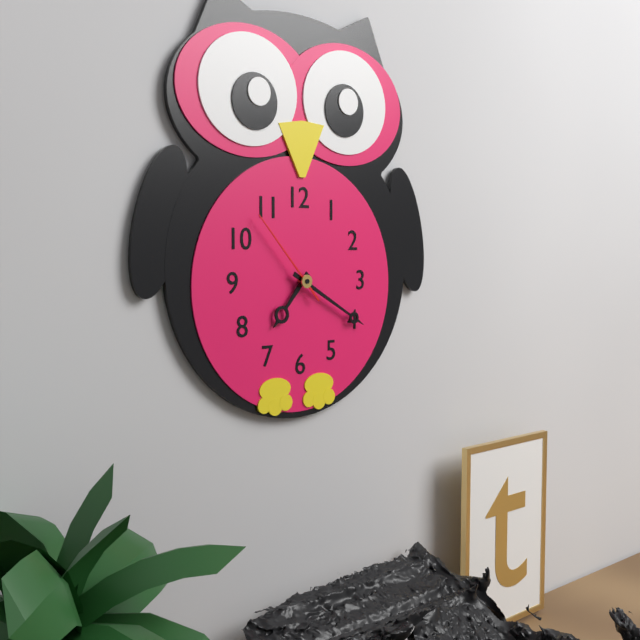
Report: 7:20:53
